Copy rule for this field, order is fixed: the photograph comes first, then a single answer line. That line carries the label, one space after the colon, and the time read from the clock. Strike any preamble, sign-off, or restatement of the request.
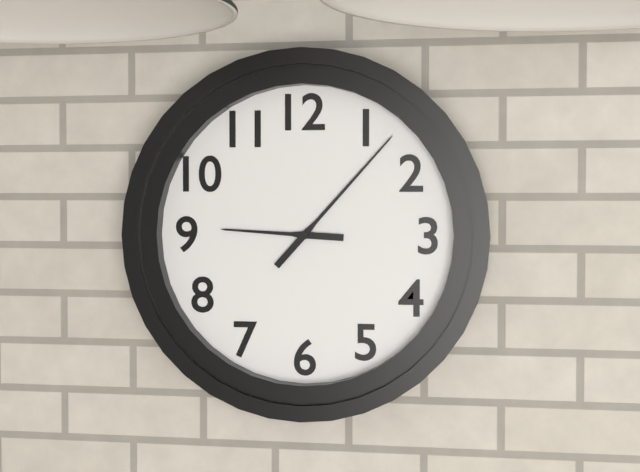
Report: 9:07
